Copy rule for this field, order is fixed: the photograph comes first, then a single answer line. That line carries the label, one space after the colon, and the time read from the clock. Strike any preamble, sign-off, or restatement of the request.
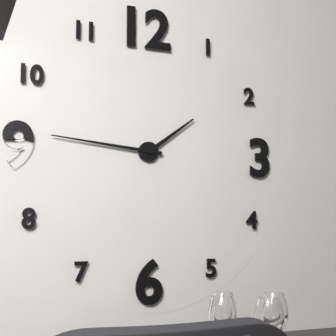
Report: 1:46
